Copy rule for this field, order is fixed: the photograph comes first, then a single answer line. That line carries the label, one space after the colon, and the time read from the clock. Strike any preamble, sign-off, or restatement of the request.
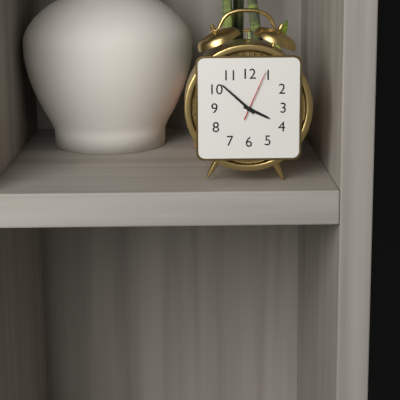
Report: 3:52:04
